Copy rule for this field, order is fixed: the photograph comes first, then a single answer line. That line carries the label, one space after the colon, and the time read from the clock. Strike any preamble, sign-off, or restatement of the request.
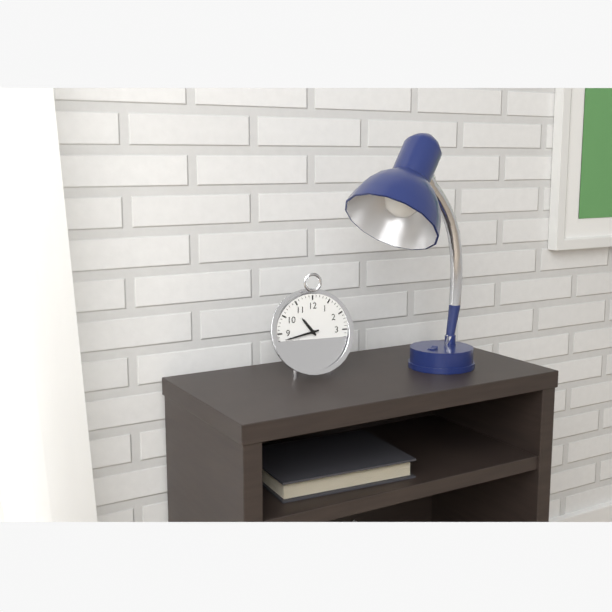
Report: 10:43
